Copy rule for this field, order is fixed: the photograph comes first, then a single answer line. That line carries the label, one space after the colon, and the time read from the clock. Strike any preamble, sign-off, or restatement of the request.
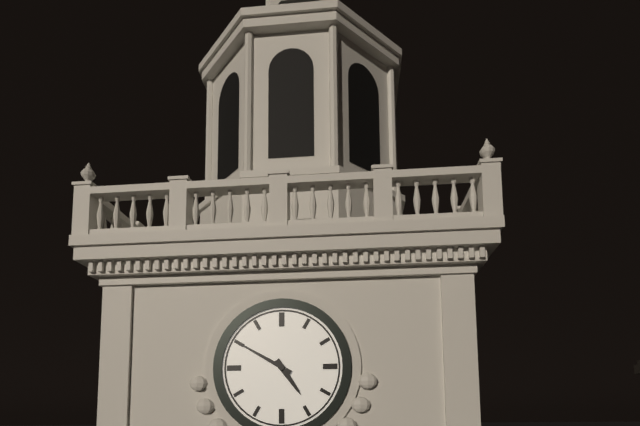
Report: 4:50
